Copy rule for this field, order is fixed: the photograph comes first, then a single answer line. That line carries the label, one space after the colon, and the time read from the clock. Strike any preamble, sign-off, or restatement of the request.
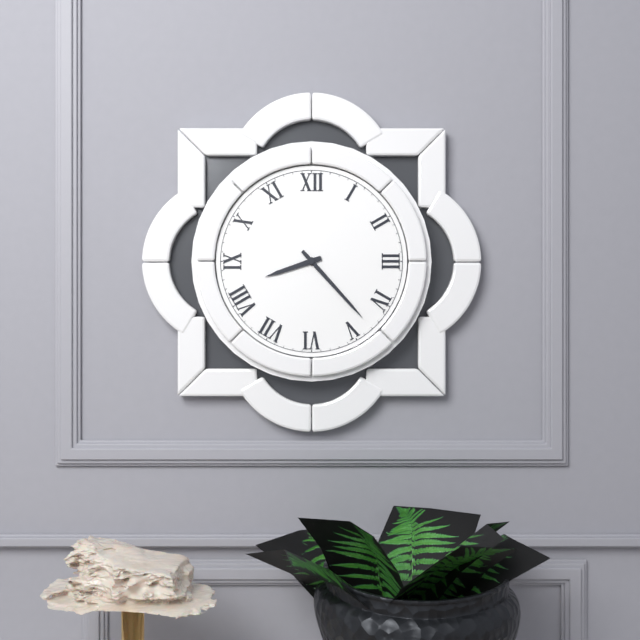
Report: 8:23
